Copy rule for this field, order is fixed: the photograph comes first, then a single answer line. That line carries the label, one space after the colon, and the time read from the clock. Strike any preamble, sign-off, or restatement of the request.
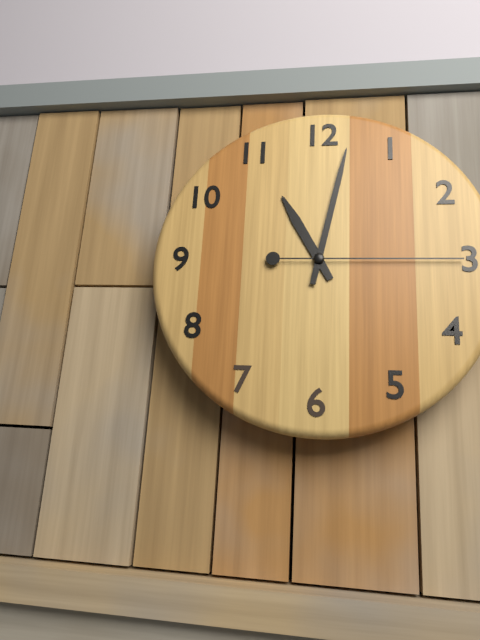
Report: 11:02:15
